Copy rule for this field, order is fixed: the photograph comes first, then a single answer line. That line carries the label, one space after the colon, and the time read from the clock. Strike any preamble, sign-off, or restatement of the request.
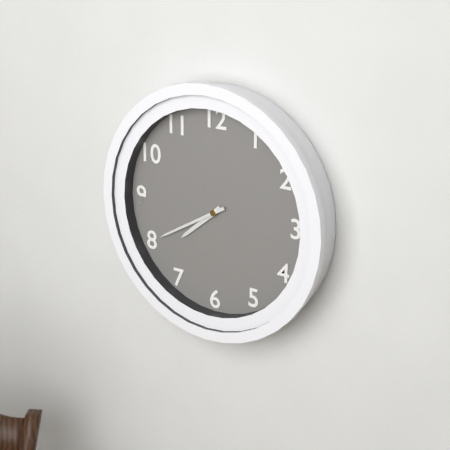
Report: 7:40
